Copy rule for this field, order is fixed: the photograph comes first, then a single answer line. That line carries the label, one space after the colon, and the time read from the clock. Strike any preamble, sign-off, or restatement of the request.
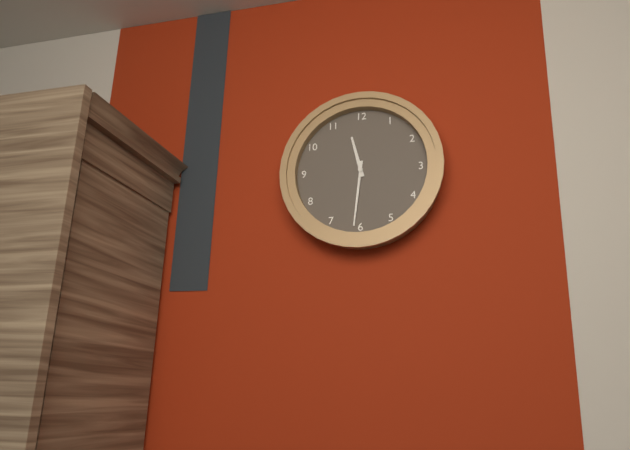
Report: 11:31
